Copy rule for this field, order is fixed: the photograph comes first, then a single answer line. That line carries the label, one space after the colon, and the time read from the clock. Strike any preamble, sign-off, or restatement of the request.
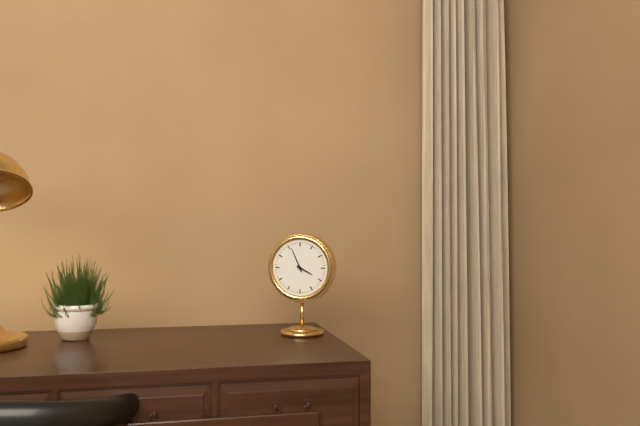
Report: 3:56
